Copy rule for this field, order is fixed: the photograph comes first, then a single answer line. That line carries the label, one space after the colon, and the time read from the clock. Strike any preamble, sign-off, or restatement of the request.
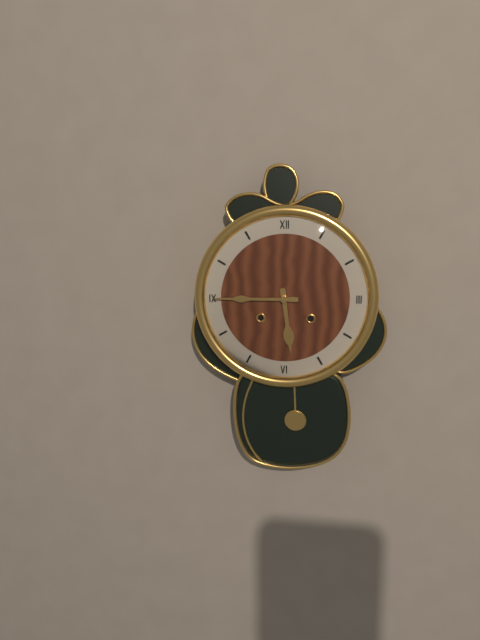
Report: 5:45
